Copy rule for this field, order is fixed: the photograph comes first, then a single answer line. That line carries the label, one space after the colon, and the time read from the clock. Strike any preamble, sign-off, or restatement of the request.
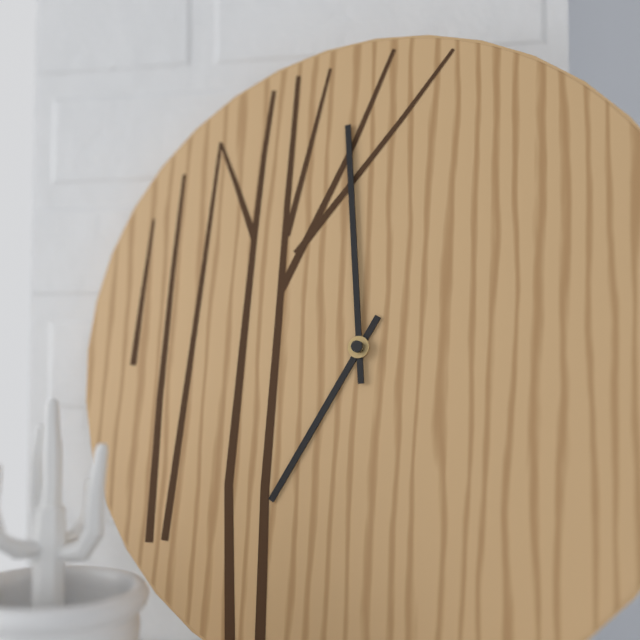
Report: 6:59
